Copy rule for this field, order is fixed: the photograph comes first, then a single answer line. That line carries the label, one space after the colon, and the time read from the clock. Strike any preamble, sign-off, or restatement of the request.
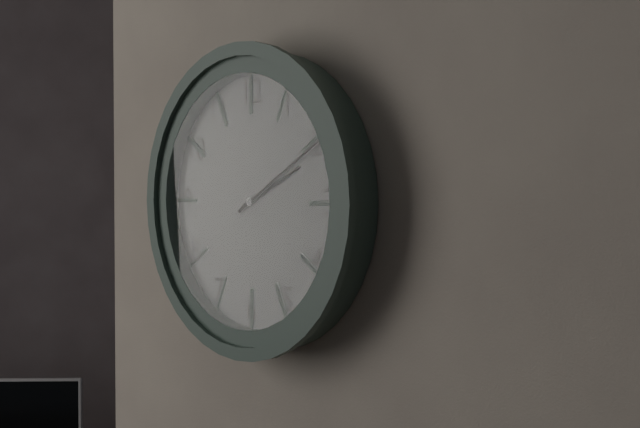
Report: 2:10
